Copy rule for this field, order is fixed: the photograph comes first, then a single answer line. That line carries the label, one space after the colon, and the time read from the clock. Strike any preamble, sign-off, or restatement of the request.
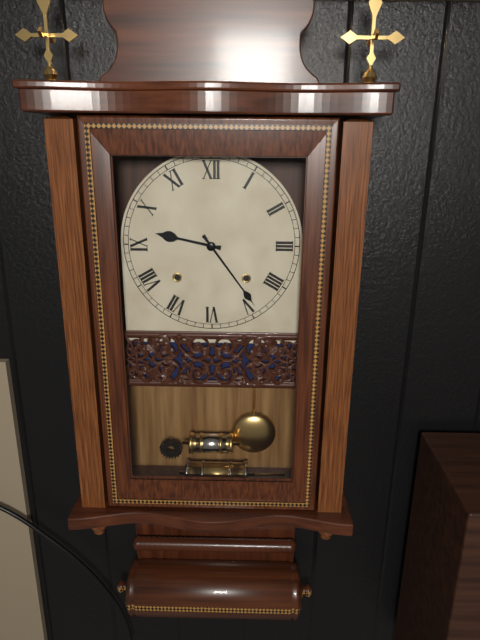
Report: 9:24
